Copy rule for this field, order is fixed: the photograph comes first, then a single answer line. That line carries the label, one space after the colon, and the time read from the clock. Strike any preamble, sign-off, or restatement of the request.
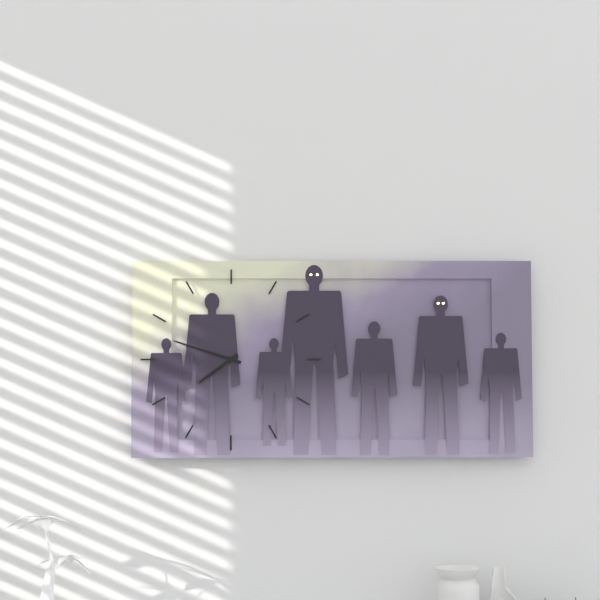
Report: 7:48
